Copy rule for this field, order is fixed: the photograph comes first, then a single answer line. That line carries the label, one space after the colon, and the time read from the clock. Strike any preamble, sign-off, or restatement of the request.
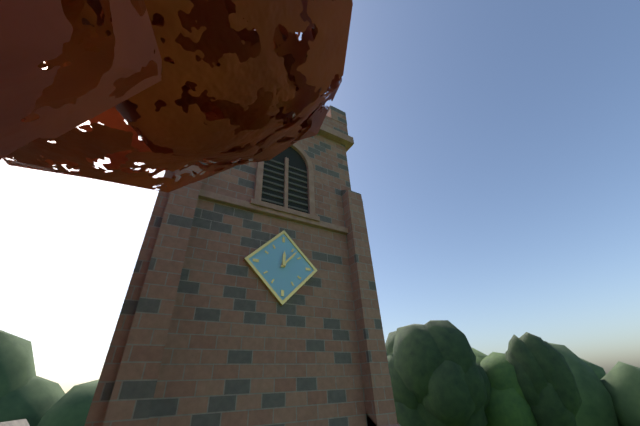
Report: 12:07
